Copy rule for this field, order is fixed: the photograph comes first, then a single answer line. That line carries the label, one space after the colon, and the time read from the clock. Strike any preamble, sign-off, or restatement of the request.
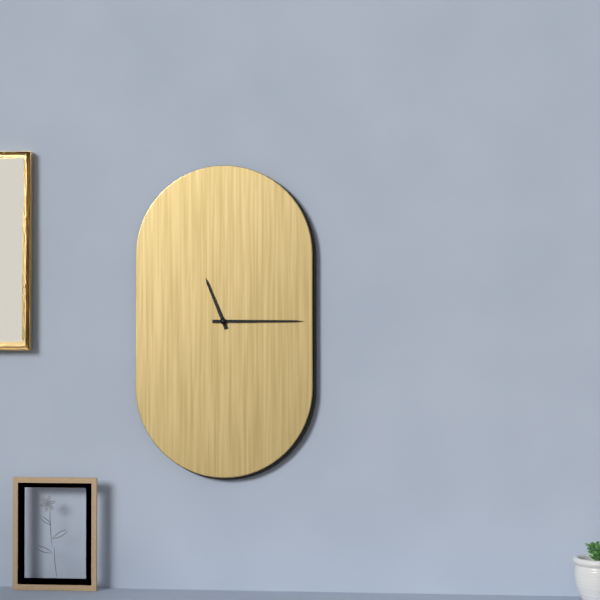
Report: 11:15
